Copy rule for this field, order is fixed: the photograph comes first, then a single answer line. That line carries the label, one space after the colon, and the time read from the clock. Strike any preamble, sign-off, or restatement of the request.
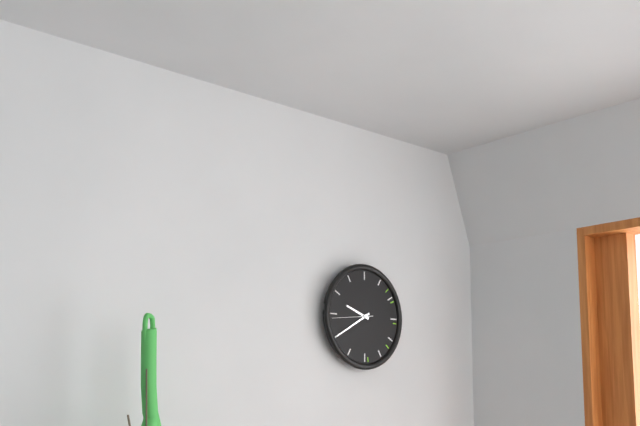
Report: 9:40
